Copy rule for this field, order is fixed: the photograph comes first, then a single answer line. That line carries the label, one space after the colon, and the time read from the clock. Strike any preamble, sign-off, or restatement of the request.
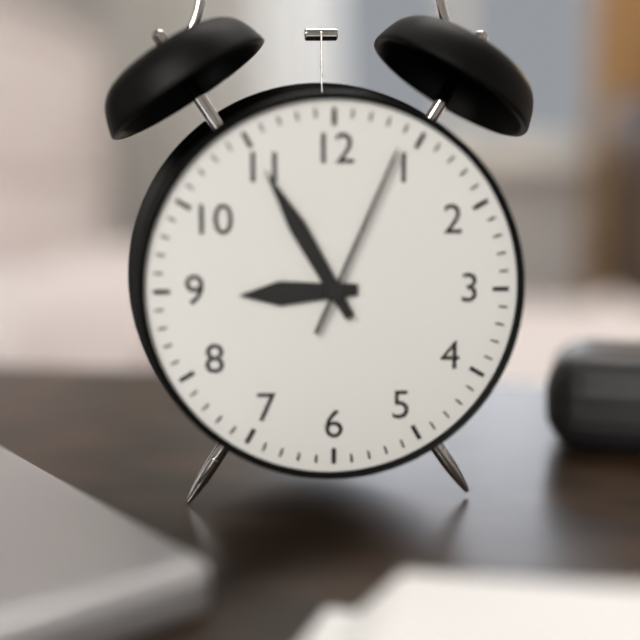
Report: 8:55:04
